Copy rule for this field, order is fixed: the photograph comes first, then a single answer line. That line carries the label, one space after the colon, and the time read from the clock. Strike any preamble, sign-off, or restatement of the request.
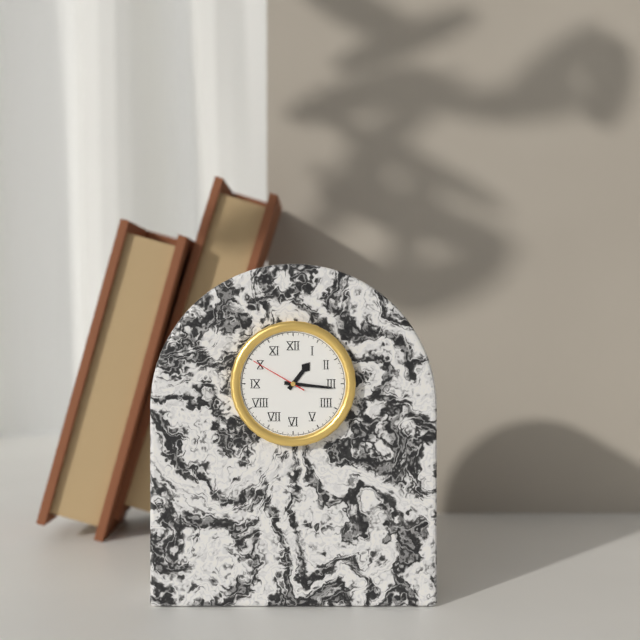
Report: 1:16:50
